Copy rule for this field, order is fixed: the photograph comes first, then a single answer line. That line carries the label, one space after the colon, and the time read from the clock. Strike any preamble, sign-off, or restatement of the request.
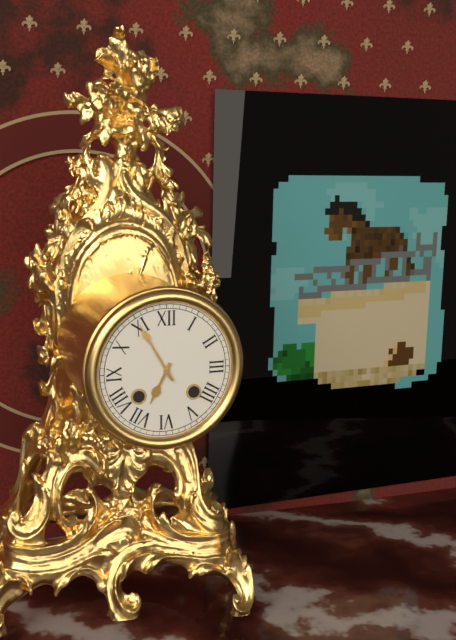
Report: 6:55
